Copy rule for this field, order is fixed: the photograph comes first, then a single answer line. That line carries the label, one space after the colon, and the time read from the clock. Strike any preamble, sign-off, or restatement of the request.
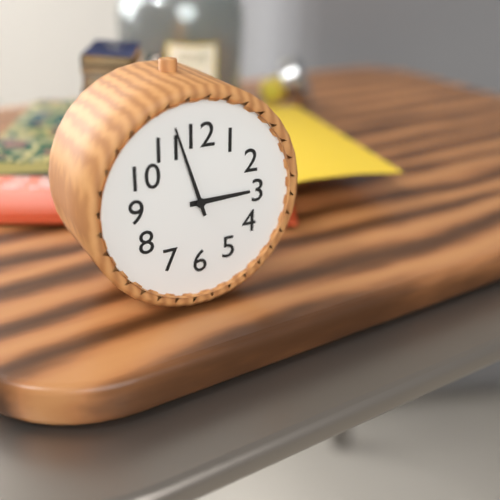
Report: 2:57
